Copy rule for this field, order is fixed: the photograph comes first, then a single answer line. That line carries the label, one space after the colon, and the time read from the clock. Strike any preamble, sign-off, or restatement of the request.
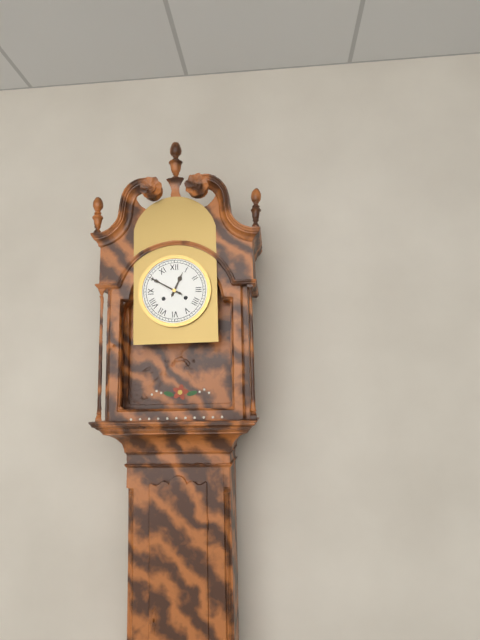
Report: 12:50
